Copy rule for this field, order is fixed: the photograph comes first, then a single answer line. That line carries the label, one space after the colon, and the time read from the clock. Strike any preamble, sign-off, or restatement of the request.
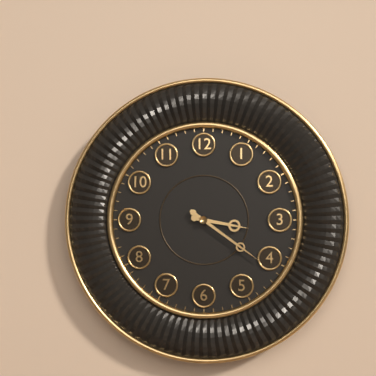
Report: 3:21
